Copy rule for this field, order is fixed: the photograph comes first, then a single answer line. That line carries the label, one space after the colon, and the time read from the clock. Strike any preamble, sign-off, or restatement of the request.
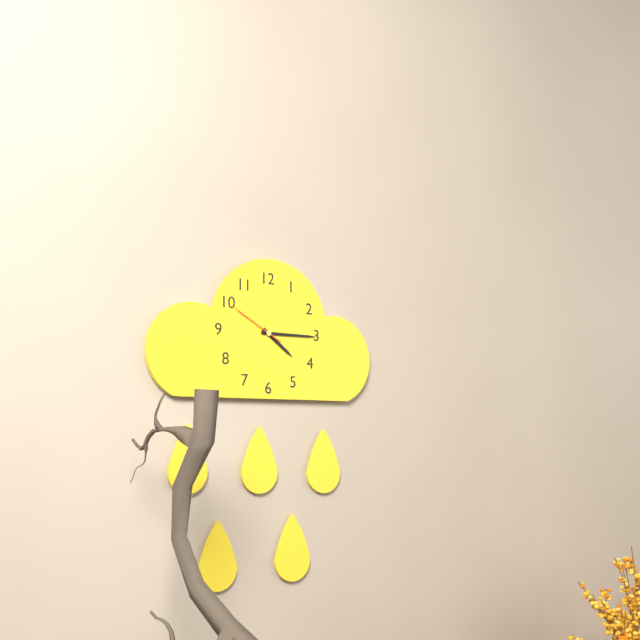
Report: 4:15:50
